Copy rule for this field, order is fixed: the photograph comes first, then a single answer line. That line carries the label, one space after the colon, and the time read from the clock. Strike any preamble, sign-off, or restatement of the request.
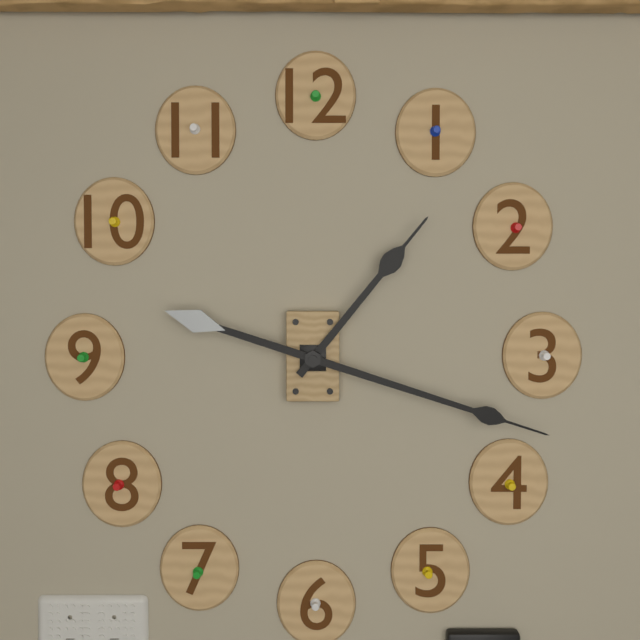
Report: 1:18
